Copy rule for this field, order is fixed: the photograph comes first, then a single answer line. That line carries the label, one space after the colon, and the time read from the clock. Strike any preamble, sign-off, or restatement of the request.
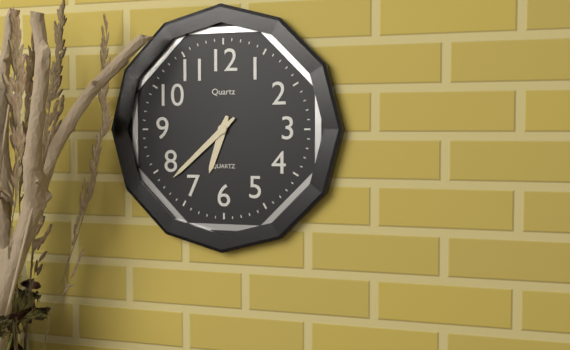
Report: 6:38
